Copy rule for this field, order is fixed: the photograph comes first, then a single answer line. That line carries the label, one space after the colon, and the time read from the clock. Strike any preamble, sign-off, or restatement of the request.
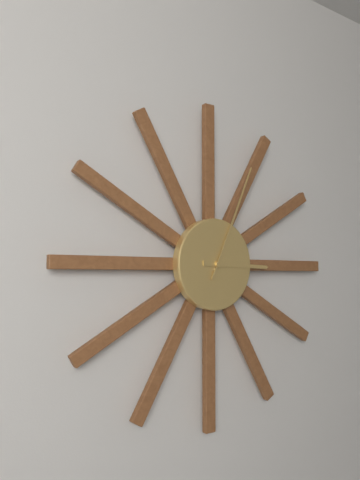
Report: 3:04
